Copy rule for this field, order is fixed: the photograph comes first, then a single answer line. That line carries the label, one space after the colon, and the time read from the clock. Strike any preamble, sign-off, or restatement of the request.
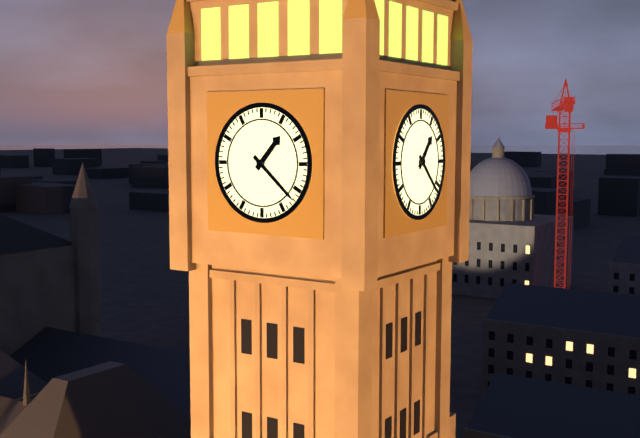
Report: 1:22
